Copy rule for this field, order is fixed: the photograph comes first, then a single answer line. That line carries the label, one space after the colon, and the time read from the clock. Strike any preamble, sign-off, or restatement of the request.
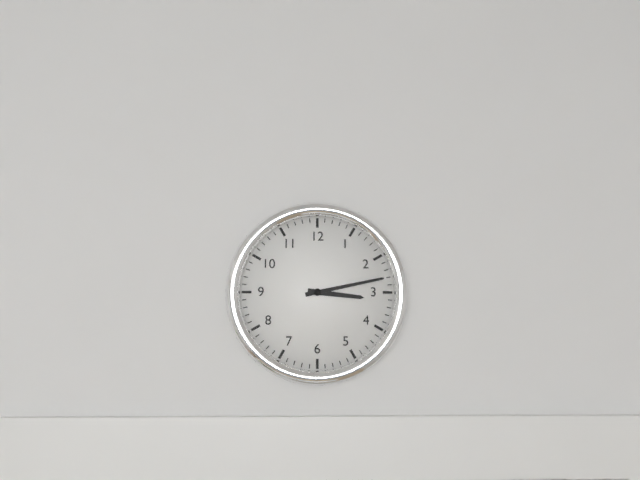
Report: 3:13
